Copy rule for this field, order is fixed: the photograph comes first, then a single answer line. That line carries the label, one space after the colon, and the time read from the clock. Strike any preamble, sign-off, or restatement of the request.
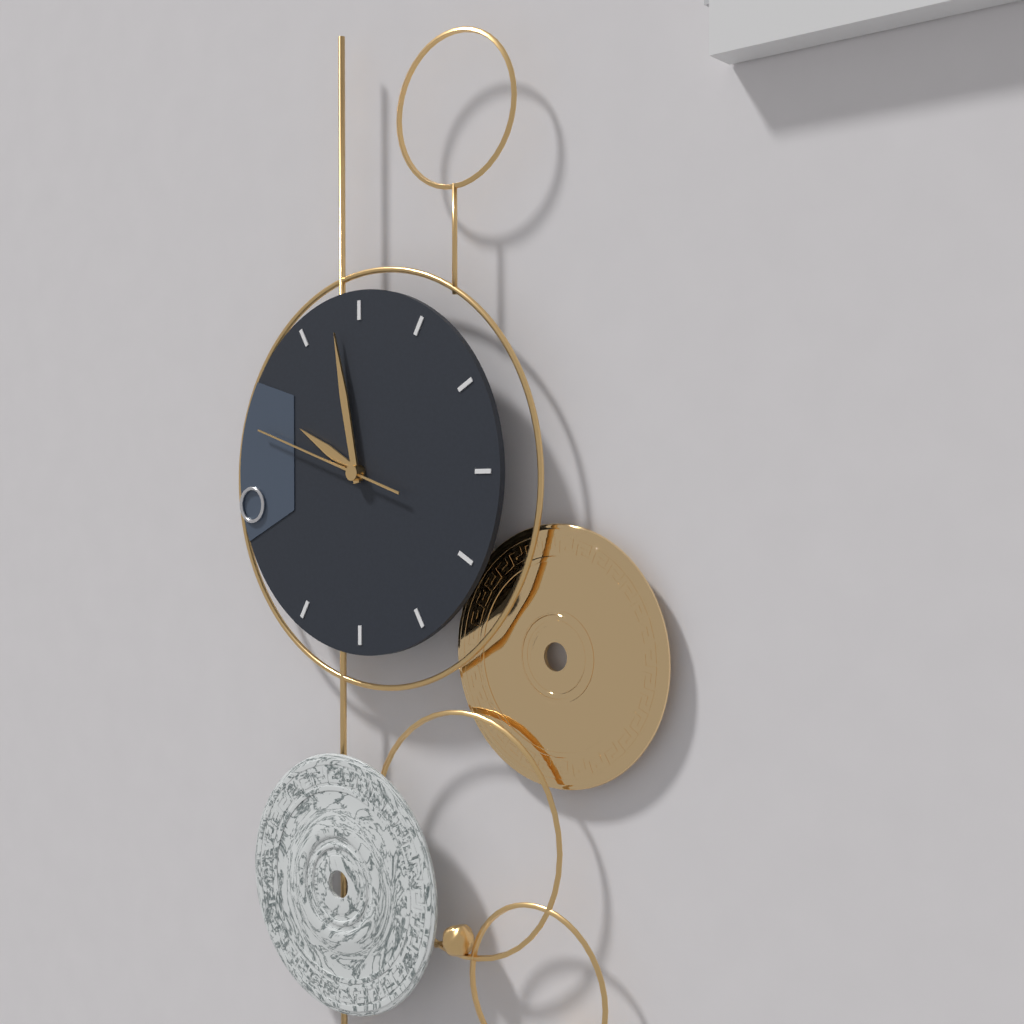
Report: 9:58:48
